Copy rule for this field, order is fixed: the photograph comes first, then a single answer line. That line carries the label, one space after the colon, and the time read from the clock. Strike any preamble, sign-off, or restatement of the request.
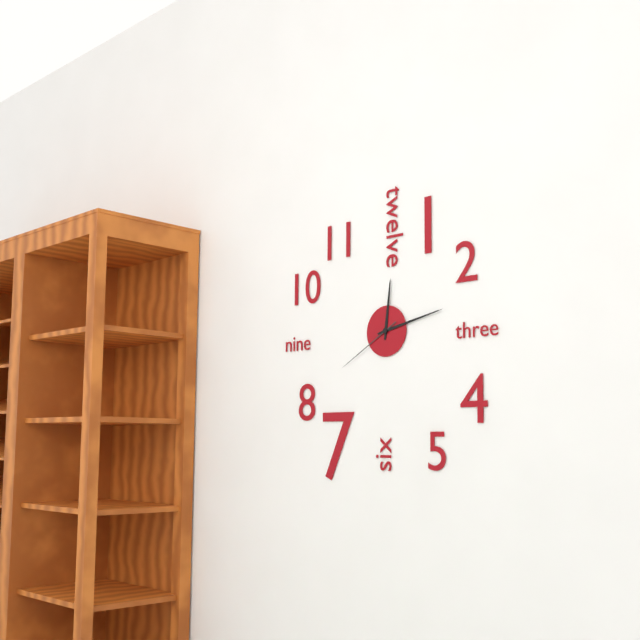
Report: 12:13:40
